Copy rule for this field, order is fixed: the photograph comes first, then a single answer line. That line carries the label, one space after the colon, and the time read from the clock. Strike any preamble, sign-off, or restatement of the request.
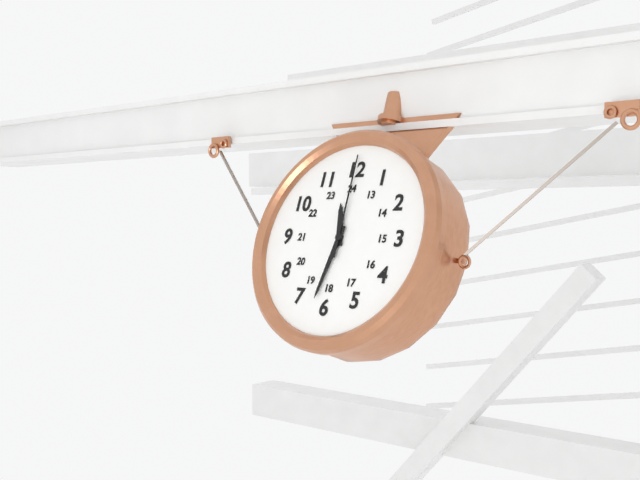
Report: 11:32:00
